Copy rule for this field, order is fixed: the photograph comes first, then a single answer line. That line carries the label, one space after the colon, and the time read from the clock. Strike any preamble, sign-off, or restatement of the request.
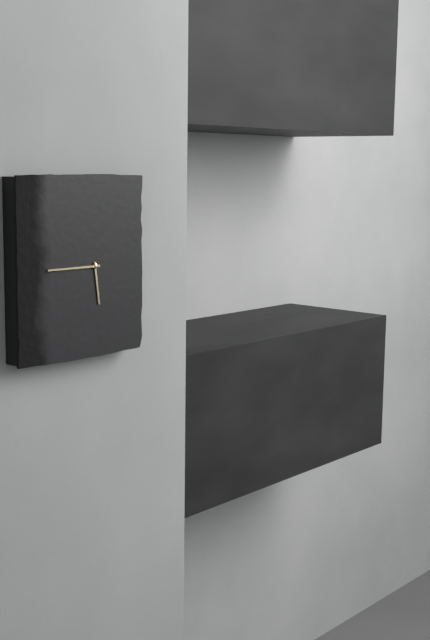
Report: 5:45
